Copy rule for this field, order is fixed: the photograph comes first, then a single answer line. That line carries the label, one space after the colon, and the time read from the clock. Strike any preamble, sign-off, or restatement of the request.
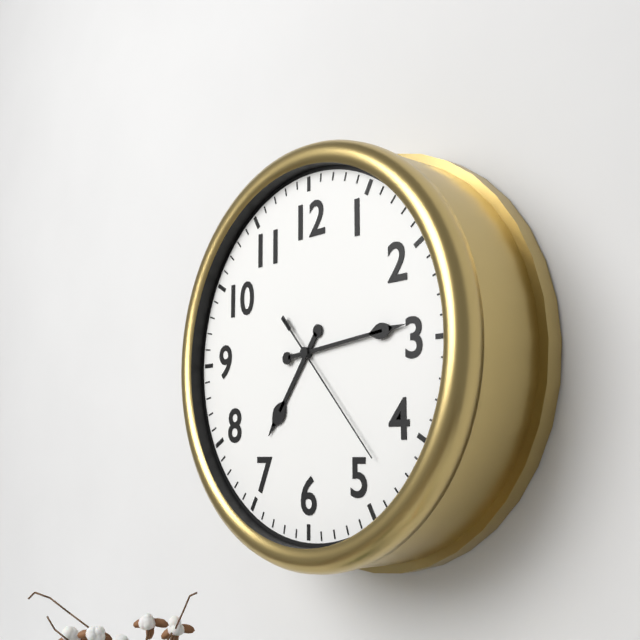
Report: 7:14:23
